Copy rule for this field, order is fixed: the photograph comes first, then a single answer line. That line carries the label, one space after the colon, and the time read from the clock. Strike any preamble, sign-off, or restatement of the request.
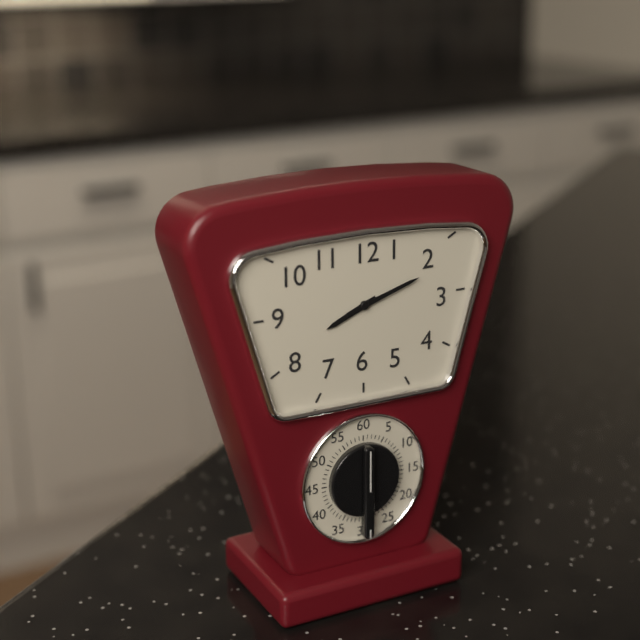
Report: 8:12
